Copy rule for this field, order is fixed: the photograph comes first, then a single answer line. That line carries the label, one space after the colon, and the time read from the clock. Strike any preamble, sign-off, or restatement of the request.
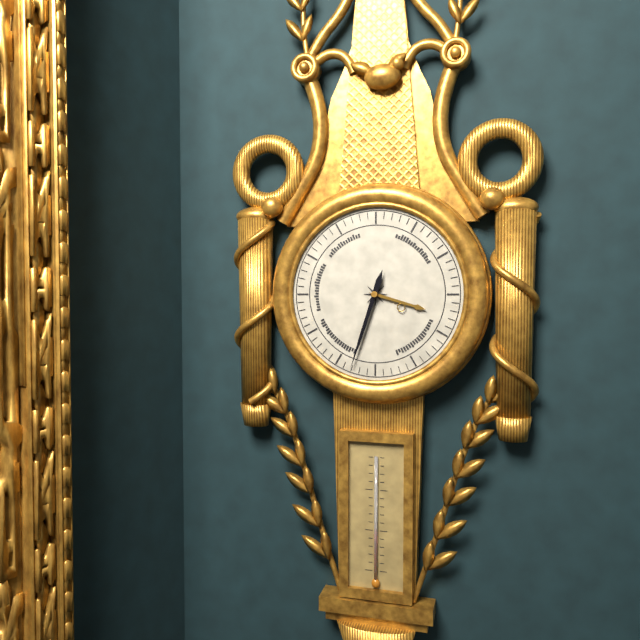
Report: 3:33
